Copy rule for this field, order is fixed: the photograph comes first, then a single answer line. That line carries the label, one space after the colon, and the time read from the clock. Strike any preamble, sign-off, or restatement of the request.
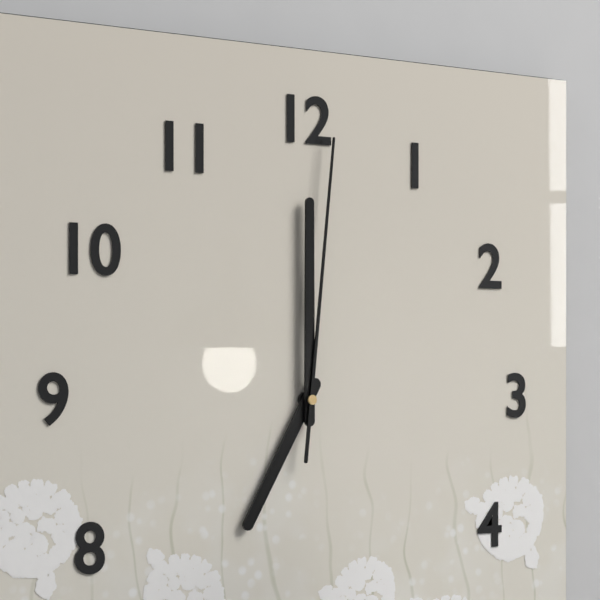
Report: 7:00:01
